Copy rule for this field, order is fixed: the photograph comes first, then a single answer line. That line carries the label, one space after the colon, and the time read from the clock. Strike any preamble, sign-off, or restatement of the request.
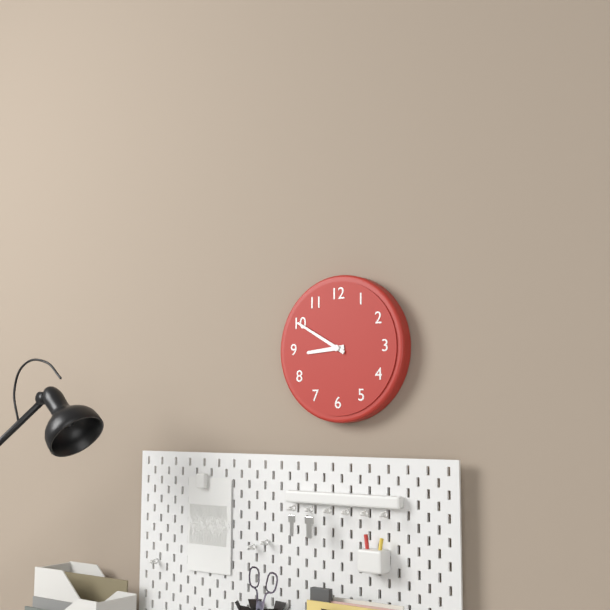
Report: 8:50
